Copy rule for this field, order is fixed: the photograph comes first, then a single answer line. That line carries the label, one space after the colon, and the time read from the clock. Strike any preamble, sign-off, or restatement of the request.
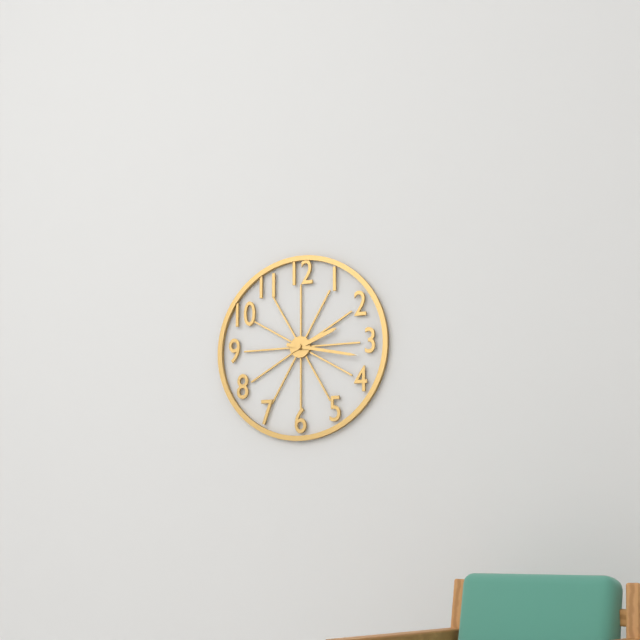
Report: 2:17
